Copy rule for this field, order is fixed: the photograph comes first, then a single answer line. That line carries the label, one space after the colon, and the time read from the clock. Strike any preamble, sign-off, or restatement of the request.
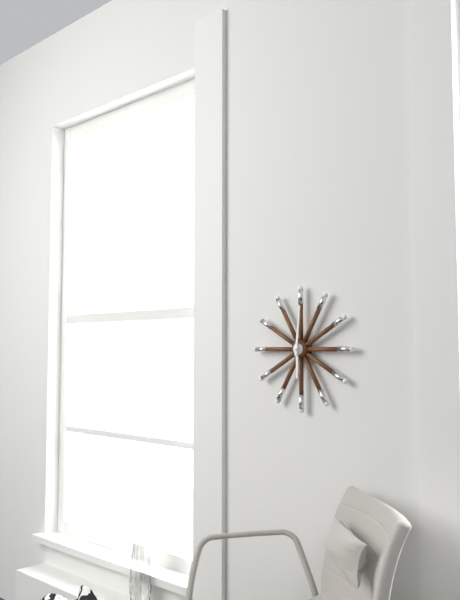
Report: 6:01
